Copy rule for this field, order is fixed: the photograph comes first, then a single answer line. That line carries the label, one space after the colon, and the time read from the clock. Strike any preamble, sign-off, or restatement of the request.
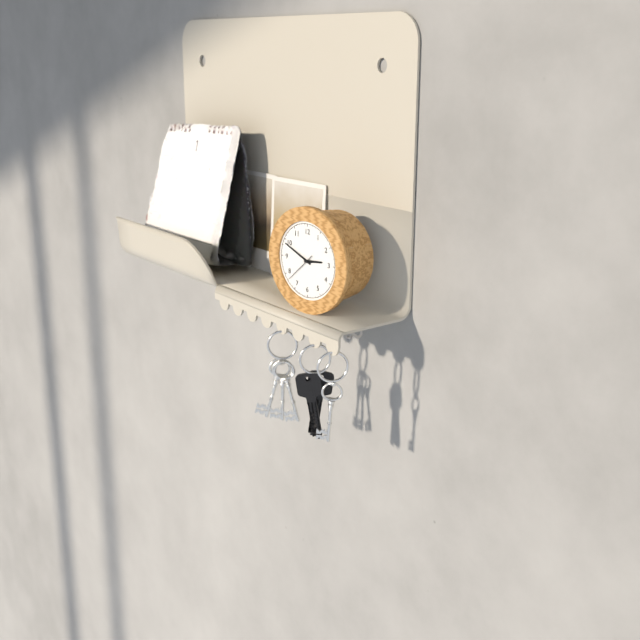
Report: 2:49
